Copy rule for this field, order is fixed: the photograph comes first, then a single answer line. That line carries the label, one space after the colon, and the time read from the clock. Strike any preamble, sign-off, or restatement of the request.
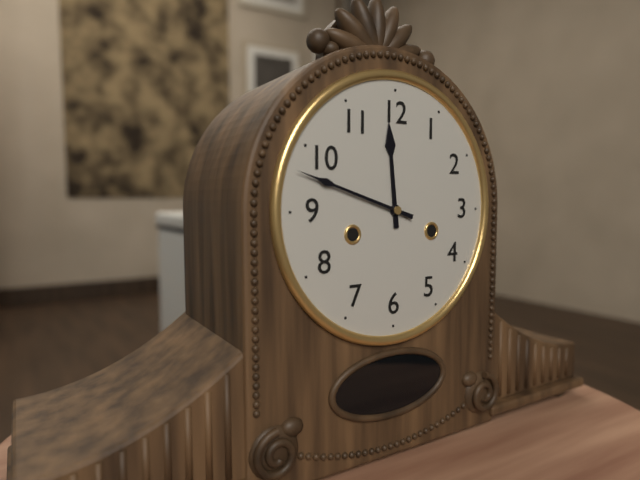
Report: 11:48
